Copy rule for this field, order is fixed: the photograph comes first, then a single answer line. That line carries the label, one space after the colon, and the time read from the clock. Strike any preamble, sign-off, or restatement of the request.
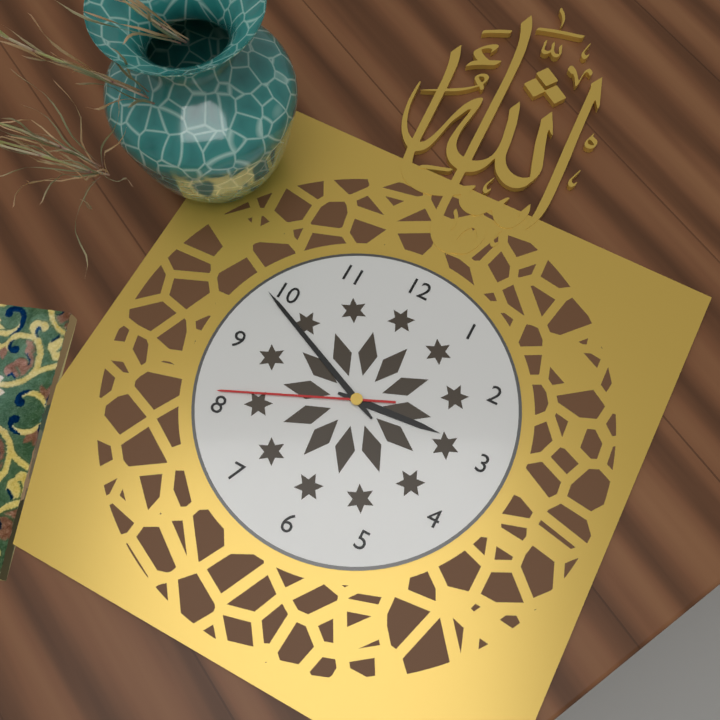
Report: 2:49:41
